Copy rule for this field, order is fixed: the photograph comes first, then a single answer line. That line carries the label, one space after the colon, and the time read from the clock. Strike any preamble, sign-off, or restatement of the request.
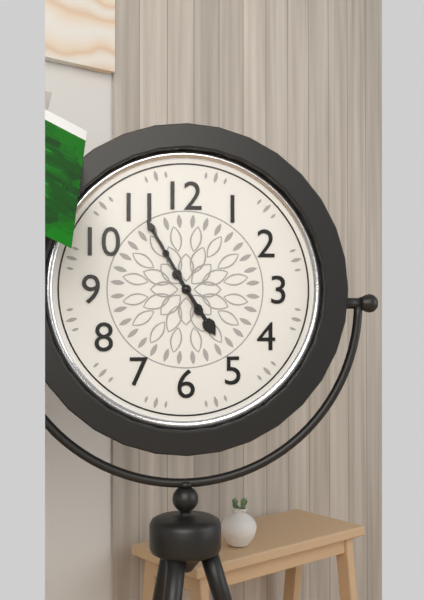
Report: 4:55
